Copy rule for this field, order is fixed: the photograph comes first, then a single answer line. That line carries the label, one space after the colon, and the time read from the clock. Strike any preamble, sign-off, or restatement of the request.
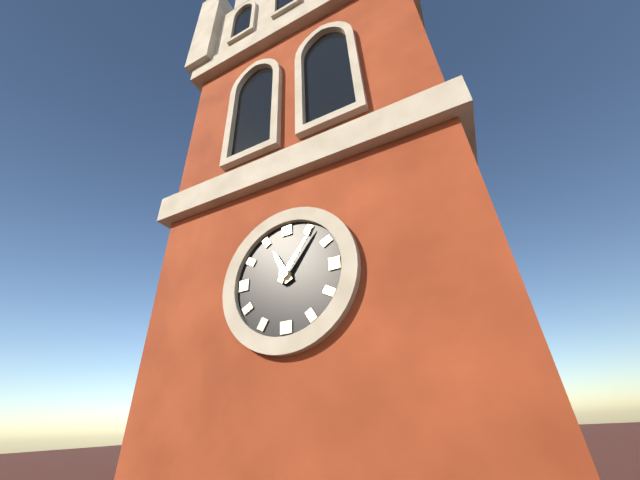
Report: 11:06
